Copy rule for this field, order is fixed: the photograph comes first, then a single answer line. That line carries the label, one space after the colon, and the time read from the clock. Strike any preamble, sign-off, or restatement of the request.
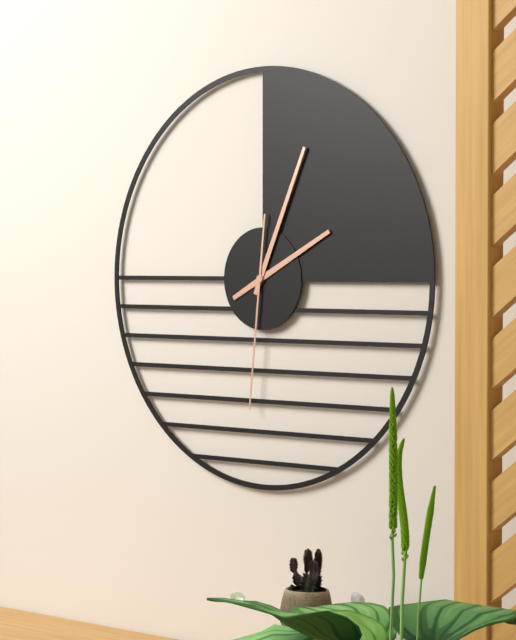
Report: 2:04:31
